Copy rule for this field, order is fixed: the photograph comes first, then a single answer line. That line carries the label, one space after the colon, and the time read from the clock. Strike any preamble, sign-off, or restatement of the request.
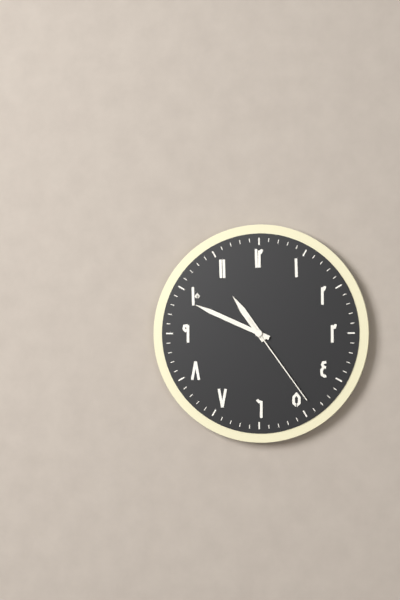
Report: 10:49:24
